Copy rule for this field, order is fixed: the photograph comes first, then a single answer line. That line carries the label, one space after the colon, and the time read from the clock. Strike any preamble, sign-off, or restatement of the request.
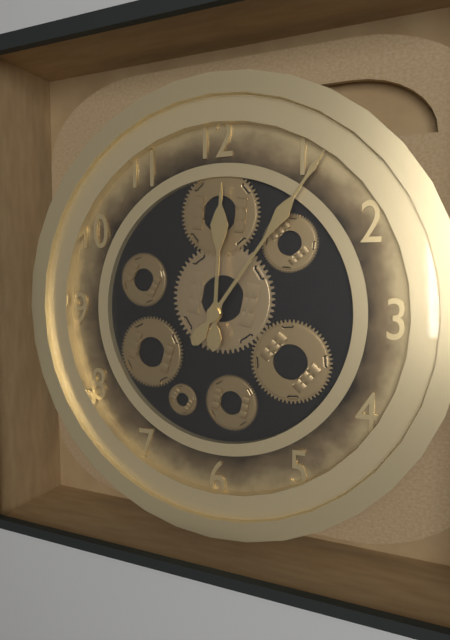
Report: 12:06
